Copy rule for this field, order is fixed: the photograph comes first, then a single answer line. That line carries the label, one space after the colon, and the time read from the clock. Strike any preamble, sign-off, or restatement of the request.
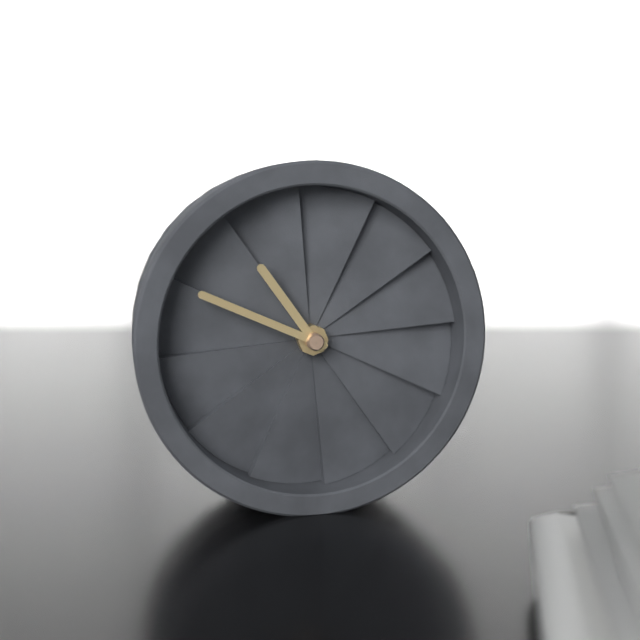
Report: 10:49
